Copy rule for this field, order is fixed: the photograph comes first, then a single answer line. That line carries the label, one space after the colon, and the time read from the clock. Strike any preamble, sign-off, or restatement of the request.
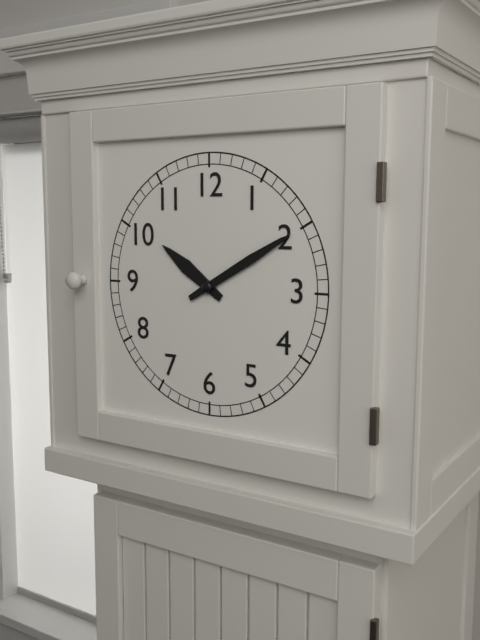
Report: 10:10
